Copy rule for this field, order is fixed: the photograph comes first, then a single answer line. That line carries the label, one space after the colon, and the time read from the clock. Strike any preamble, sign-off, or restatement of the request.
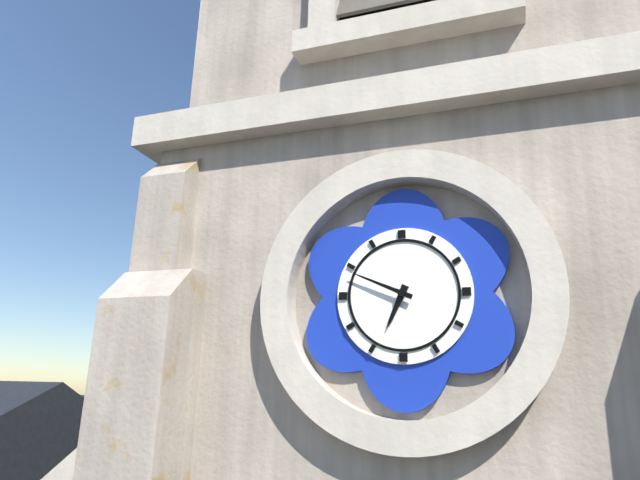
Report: 6:49
